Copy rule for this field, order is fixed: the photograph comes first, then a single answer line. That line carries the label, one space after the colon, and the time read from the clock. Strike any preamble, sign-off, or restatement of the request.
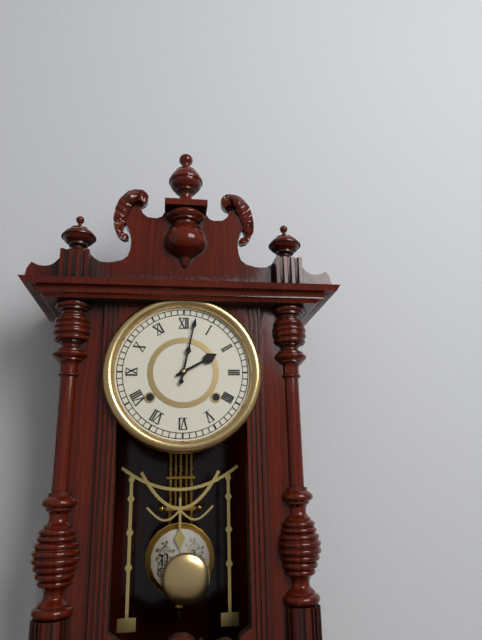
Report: 2:02
